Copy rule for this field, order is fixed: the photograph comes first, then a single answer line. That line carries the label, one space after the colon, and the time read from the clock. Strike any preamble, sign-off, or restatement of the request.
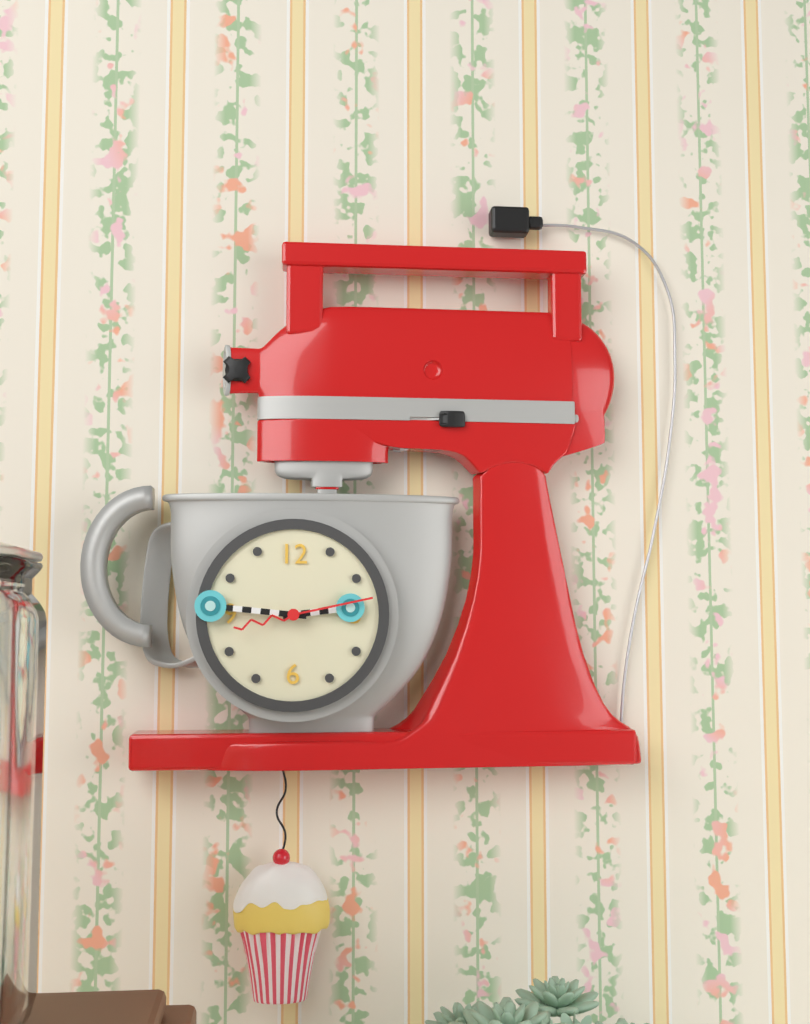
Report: 2:46:13
